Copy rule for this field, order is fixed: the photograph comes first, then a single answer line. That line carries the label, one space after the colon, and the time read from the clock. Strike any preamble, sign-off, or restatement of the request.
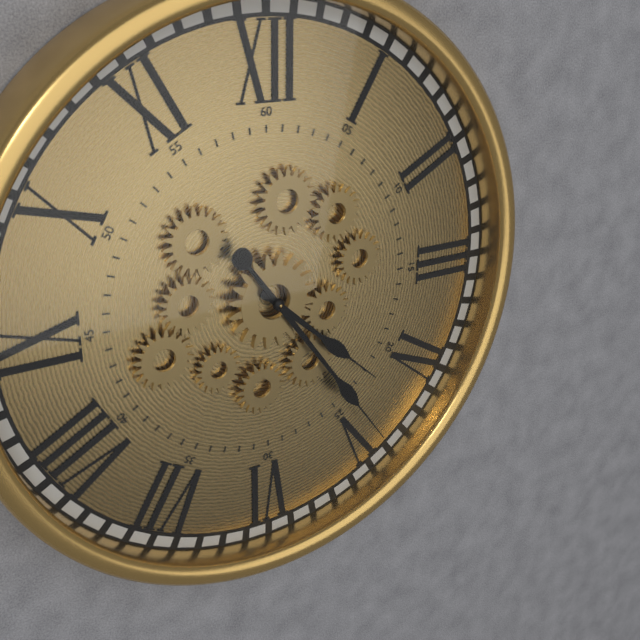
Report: 4:24
